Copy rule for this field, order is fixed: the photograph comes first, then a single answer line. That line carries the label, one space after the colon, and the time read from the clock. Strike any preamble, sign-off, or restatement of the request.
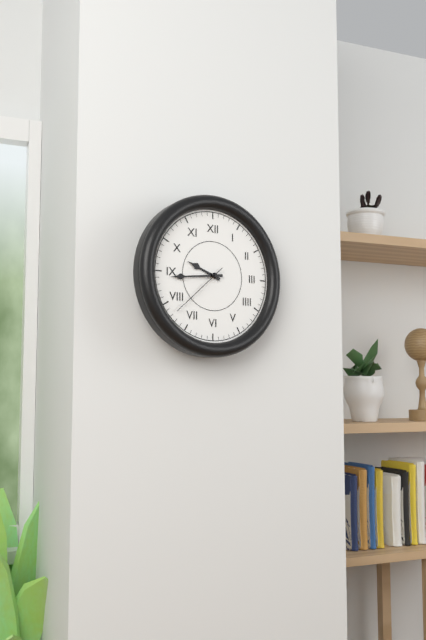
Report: 9:44:38
